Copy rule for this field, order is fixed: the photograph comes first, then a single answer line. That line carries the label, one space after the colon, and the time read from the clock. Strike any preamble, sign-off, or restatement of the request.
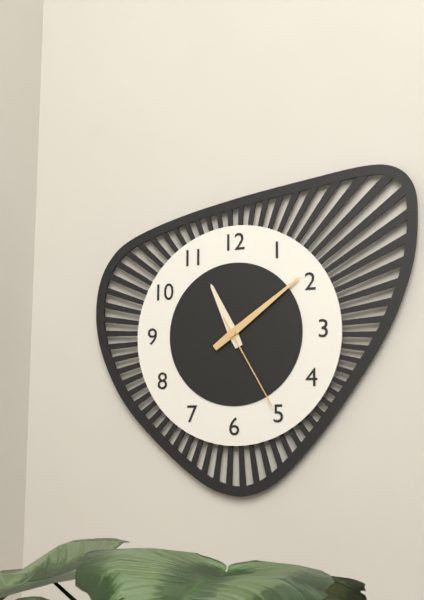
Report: 11:09:25
